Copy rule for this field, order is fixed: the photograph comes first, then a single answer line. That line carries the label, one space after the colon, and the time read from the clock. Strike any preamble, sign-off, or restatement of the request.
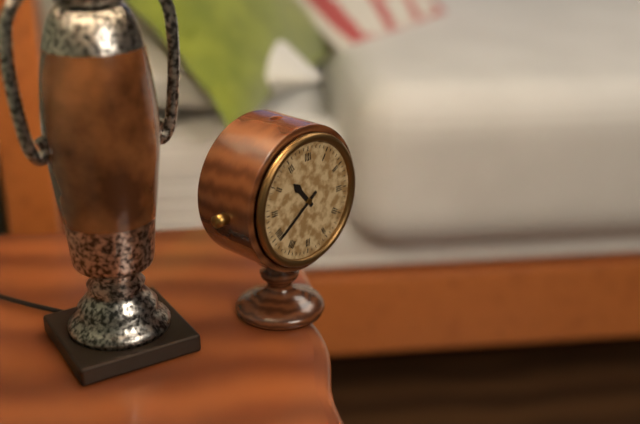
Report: 10:39
